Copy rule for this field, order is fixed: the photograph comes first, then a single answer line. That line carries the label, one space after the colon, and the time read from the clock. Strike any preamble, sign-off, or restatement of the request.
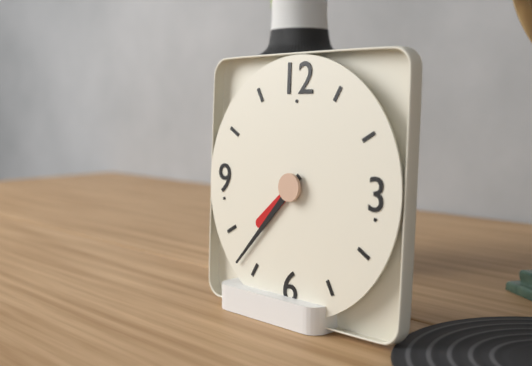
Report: 7:37
